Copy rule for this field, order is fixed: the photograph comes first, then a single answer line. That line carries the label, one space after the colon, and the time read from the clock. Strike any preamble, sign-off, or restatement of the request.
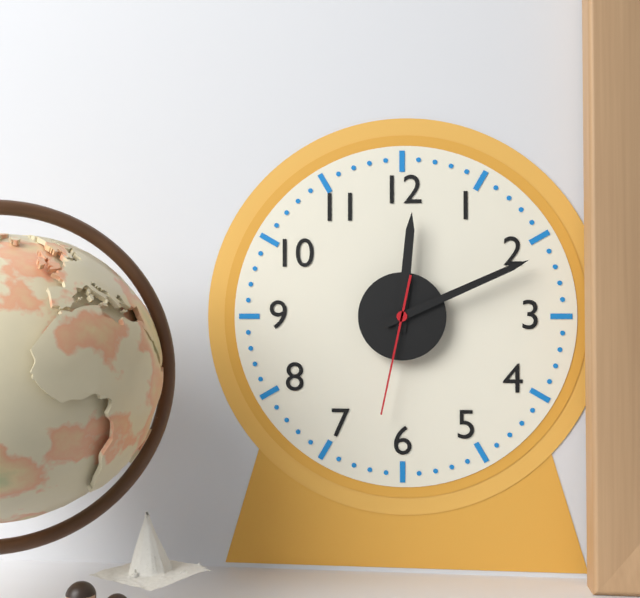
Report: 12:11:32
